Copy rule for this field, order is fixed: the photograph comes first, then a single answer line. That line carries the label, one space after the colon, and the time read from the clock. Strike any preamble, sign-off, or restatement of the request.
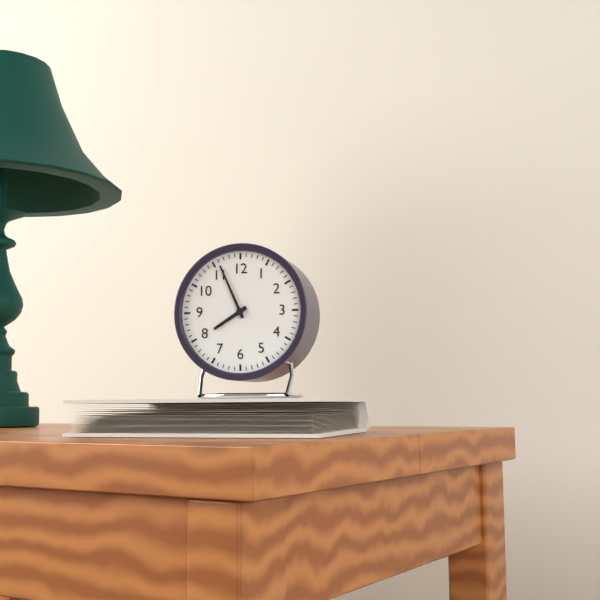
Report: 7:56
